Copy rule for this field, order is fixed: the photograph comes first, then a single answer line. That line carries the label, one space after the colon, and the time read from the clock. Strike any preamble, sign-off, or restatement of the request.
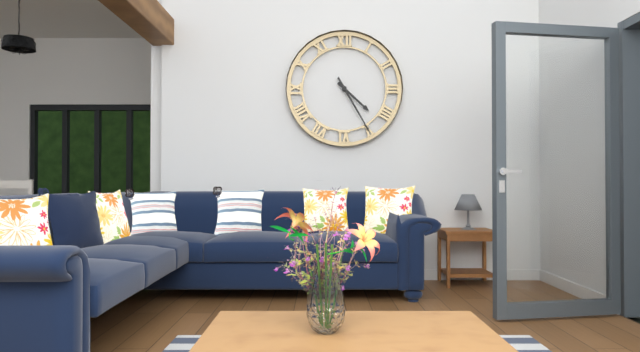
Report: 4:25
